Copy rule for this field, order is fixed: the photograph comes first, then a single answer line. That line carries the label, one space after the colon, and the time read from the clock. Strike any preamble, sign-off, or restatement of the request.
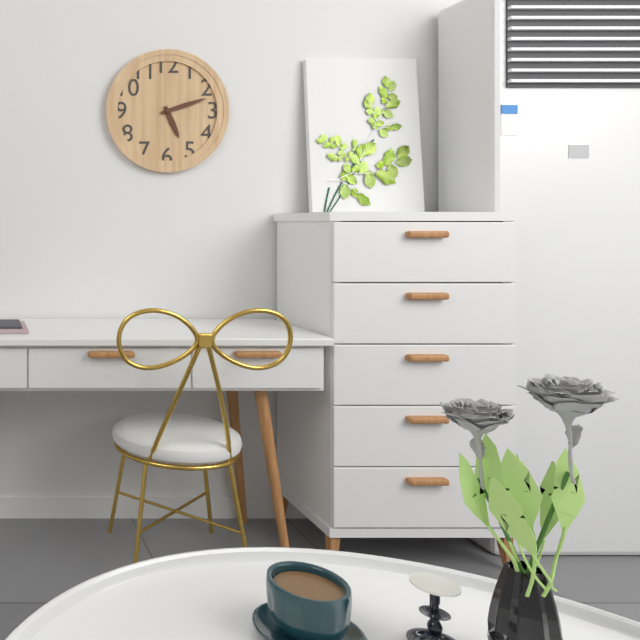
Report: 5:12
